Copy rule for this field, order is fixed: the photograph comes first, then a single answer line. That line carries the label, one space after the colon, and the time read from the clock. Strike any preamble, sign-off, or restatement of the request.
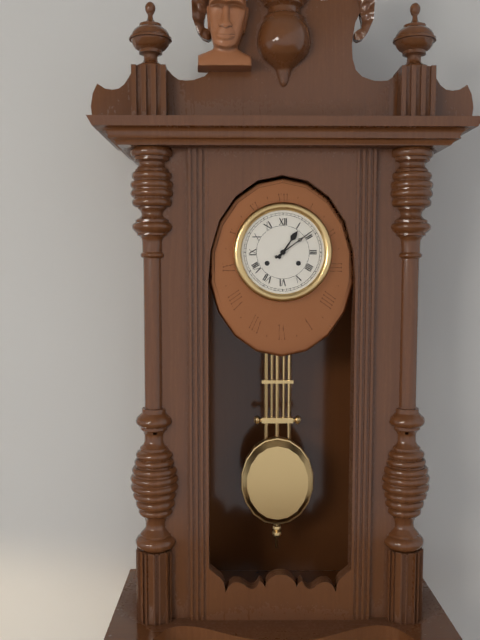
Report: 1:09
